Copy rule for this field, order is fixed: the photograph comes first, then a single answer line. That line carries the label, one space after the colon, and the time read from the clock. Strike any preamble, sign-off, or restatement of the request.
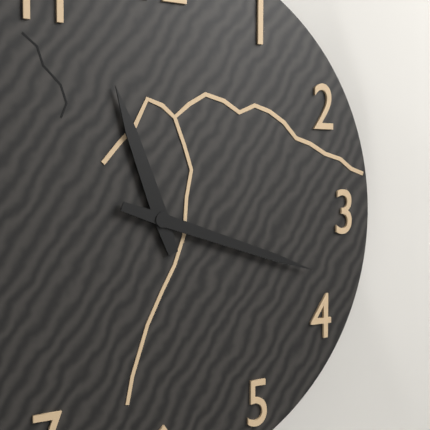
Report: 11:18
